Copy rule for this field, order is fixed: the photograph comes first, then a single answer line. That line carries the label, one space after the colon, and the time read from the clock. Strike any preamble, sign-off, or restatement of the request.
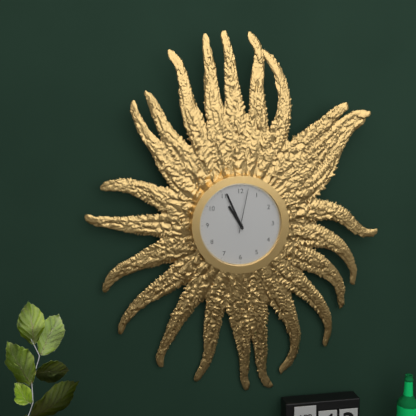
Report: 10:56
